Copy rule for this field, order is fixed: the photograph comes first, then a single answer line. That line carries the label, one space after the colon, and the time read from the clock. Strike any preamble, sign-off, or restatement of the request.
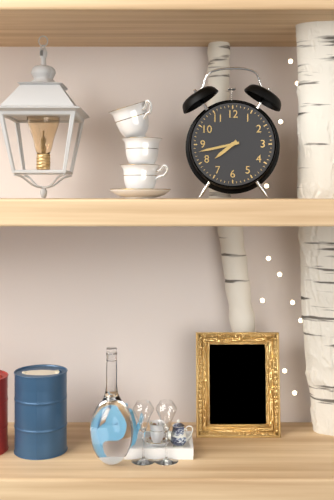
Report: 7:43
